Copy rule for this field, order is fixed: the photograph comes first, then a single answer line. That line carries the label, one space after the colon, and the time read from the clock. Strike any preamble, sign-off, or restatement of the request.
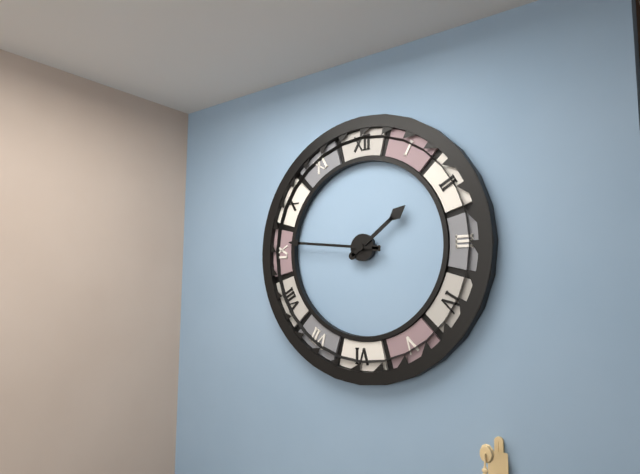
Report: 1:46
